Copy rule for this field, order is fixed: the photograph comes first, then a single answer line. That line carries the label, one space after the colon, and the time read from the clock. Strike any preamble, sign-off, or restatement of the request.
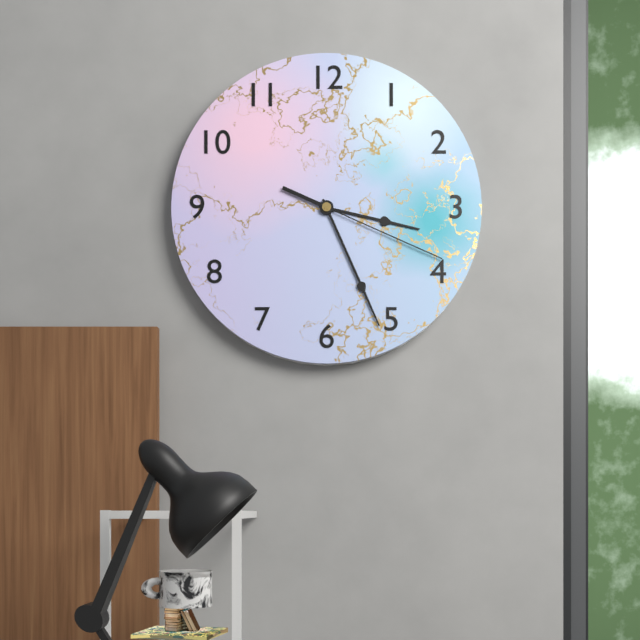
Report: 3:26:19
